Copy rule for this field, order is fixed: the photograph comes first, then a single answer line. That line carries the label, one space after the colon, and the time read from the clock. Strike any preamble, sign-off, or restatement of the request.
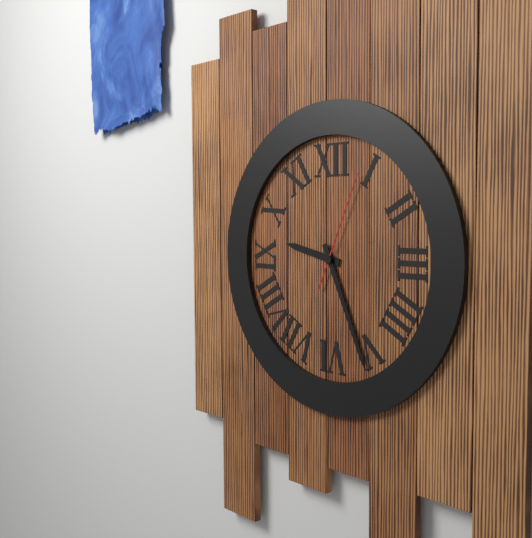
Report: 9:26:04
